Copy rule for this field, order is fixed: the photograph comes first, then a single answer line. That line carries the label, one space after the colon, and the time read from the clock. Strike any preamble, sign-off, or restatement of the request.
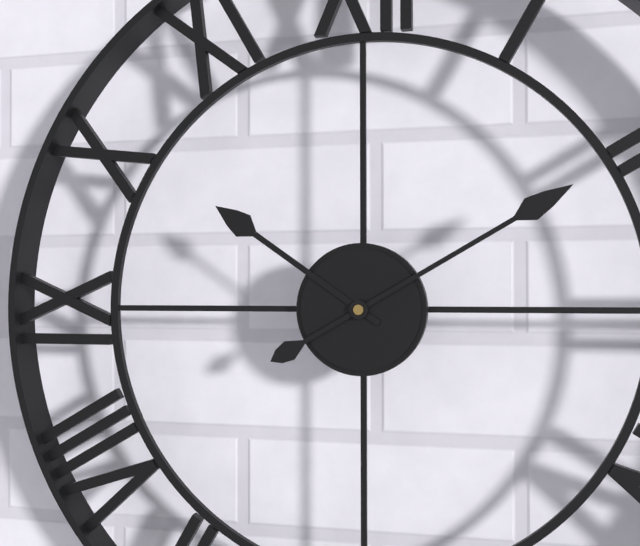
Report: 10:10
